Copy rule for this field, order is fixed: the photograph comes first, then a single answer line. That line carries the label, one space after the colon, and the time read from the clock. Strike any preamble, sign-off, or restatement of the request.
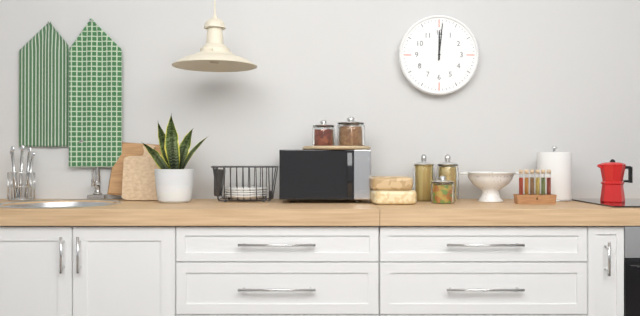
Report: 12:01
